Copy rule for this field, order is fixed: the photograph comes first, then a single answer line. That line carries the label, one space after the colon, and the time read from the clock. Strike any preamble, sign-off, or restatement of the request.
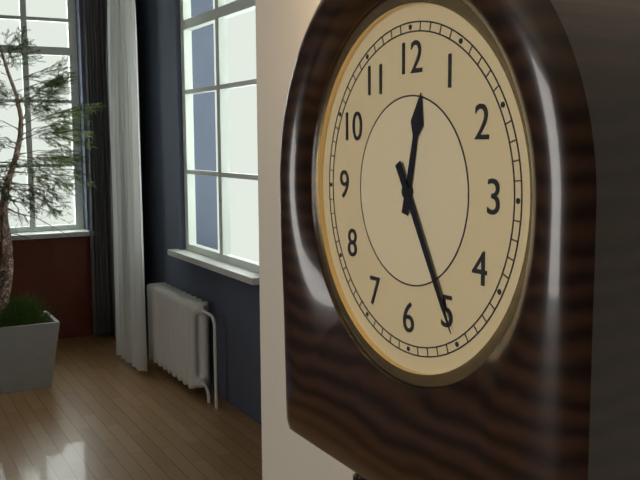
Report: 12:25
